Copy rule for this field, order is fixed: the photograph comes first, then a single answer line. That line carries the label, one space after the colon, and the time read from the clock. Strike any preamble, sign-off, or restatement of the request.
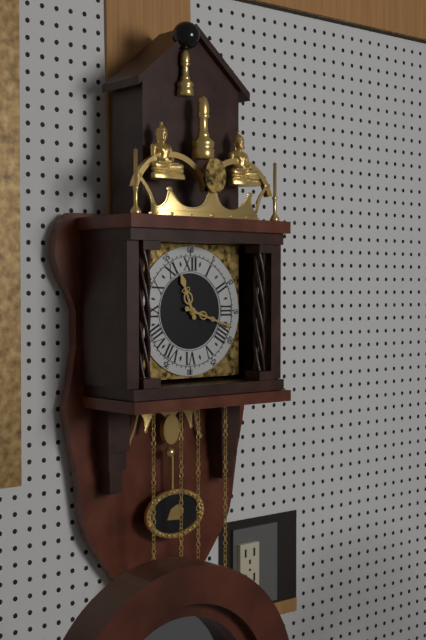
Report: 11:18
